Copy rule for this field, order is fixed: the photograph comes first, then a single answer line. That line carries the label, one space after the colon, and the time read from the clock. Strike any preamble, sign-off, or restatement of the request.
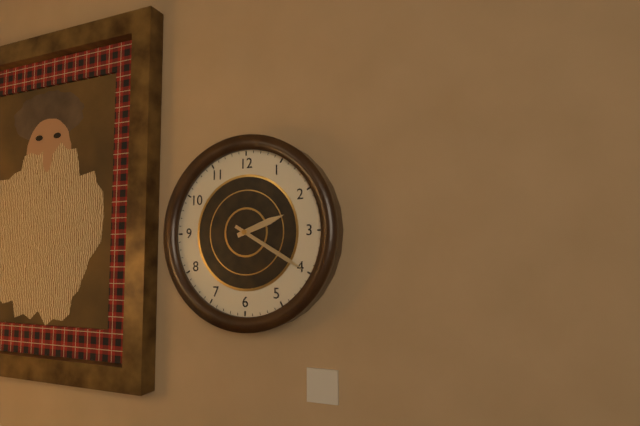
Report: 2:20
